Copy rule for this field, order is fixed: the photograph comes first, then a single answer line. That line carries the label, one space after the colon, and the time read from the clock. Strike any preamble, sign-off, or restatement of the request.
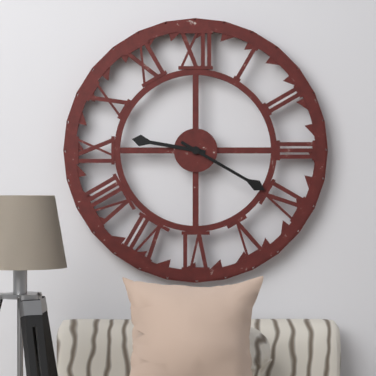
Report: 9:20
